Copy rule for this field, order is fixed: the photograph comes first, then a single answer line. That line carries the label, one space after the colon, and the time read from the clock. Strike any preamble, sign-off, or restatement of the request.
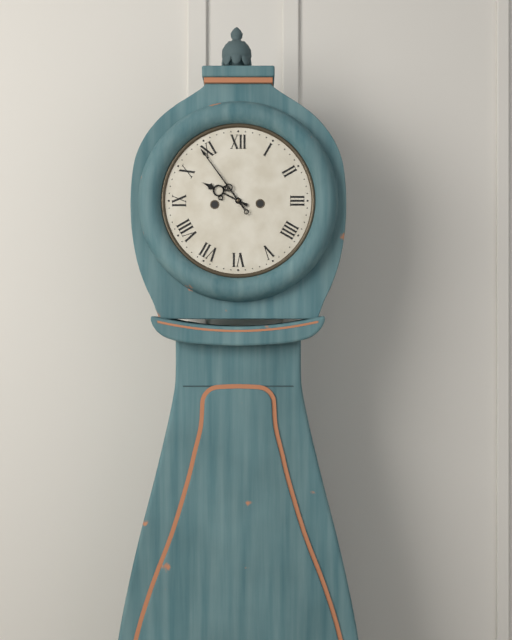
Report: 9:54
